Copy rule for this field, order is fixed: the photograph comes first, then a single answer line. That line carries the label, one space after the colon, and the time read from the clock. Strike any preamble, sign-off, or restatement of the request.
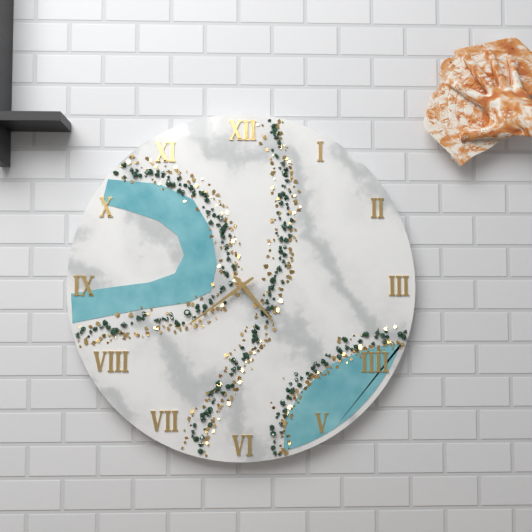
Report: 4:39
